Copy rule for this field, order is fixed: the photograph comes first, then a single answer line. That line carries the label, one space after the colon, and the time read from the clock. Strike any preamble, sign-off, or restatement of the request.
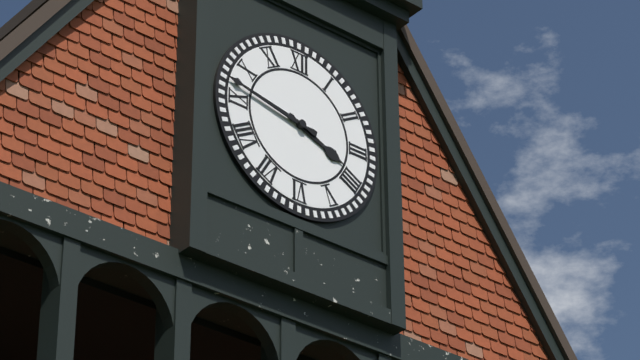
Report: 3:47
